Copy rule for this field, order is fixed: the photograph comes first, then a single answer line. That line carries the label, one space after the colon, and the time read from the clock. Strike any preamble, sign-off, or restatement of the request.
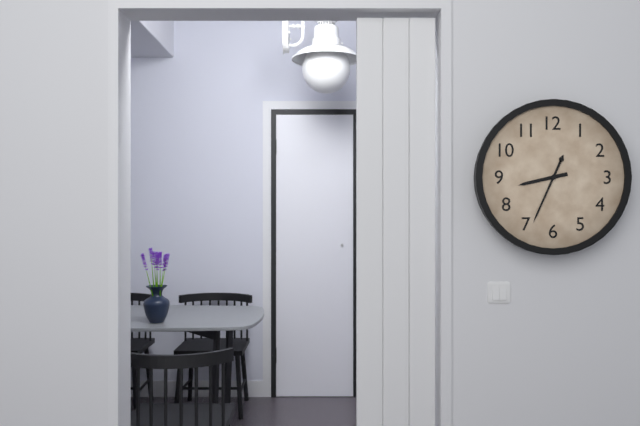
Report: 8:34
